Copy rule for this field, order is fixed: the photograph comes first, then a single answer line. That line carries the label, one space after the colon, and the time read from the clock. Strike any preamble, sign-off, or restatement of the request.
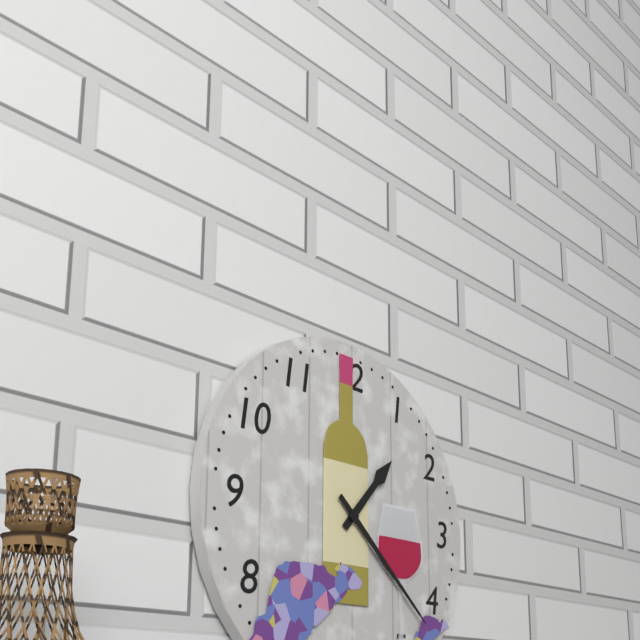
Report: 1:22
